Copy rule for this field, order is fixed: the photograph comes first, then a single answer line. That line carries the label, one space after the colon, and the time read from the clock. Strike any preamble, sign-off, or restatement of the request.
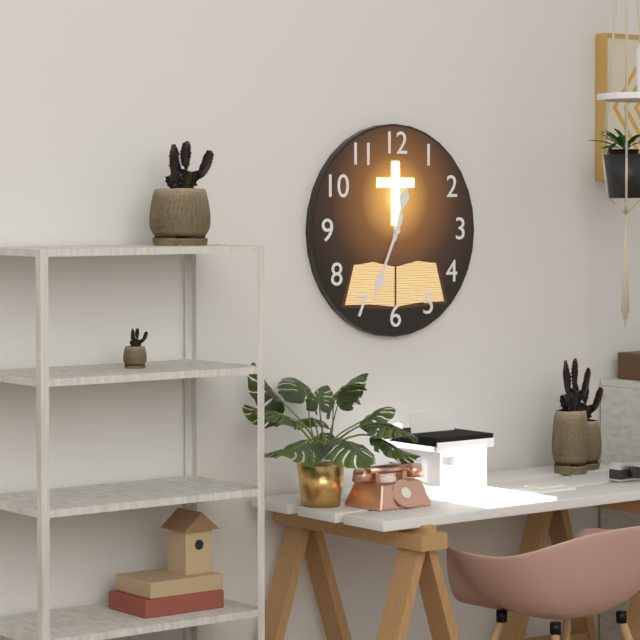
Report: 12:34
